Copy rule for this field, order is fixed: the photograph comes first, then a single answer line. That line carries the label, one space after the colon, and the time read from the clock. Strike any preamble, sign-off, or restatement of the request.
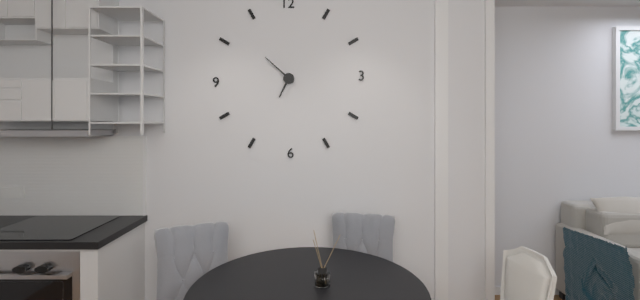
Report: 6:52
